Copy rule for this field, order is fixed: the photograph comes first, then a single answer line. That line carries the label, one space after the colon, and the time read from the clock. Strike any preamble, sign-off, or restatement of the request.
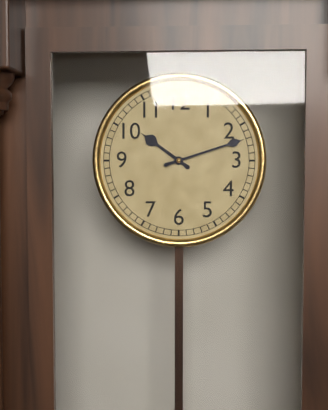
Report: 10:12
